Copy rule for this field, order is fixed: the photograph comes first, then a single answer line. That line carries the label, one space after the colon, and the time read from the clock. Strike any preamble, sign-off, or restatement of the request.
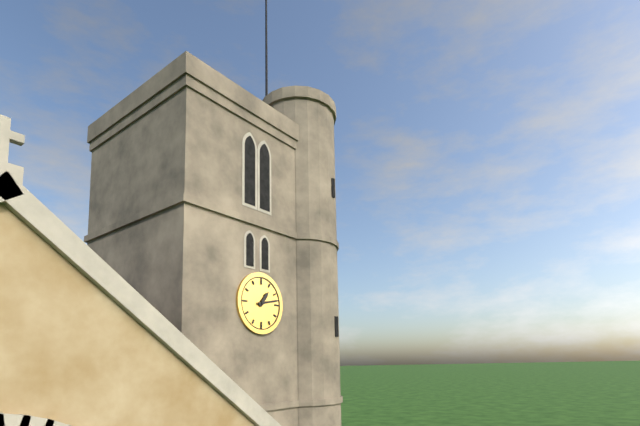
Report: 1:13
